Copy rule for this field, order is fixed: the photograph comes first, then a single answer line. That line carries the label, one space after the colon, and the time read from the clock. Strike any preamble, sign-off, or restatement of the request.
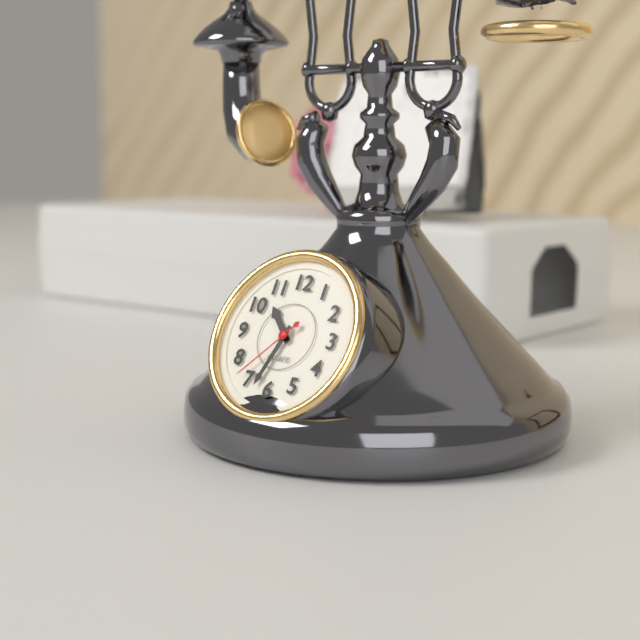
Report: 10:33:37
